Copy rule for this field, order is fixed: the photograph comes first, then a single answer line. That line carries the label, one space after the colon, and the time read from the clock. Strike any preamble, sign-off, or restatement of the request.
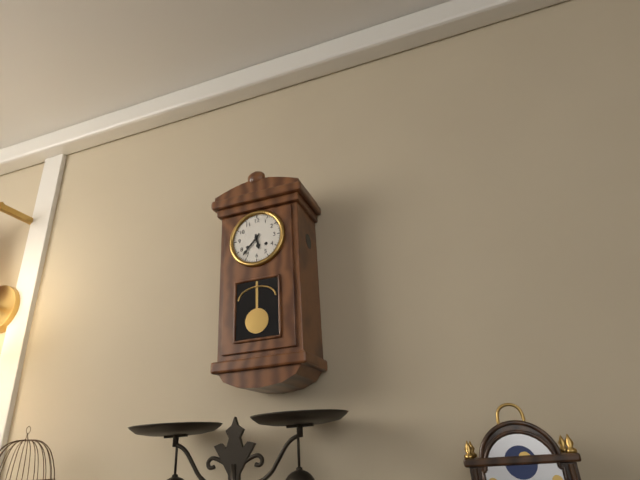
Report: 5:37
